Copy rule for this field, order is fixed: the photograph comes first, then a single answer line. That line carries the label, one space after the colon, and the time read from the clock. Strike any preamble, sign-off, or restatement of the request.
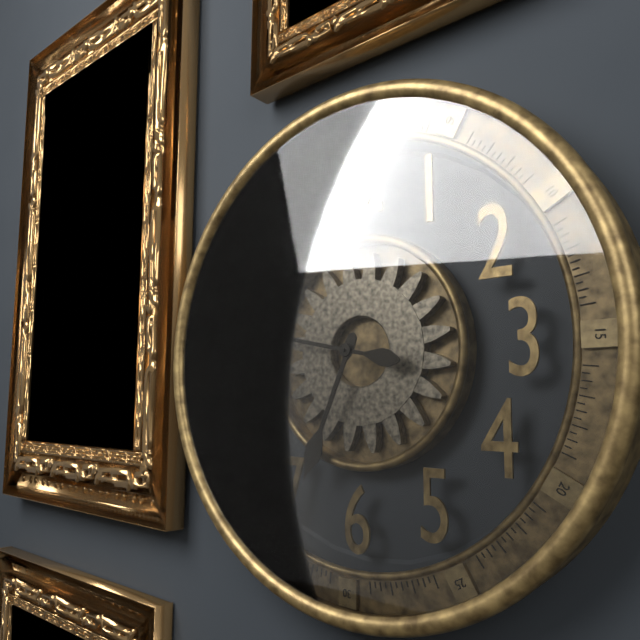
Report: 6:47
